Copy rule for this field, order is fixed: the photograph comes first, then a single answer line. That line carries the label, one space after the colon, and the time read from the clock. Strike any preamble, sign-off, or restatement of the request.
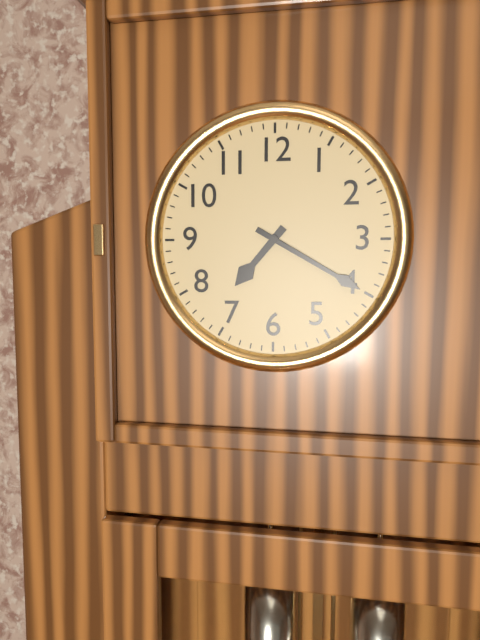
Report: 7:20
